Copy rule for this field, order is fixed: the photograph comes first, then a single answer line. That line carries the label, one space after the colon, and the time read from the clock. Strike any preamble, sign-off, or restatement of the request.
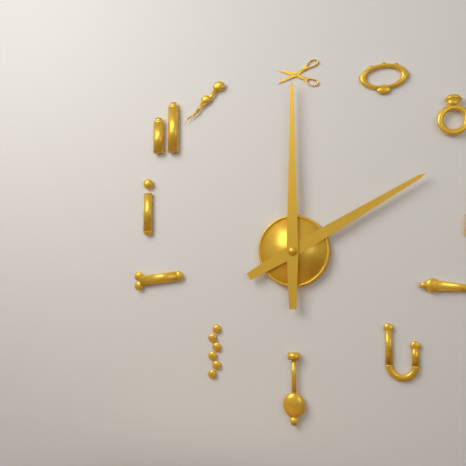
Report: 2:00
